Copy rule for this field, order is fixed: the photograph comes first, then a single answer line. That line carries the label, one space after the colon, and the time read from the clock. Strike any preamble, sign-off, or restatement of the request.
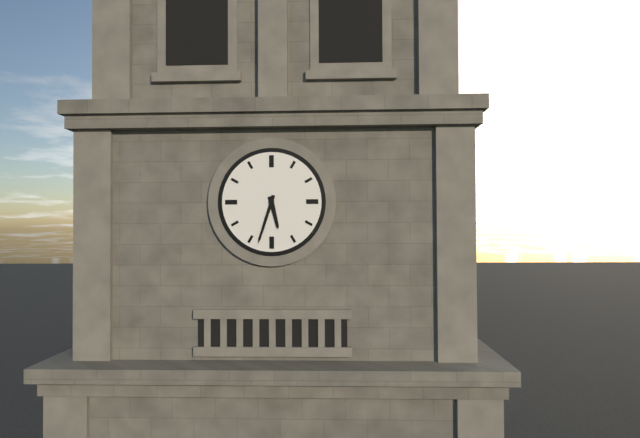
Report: 5:33
